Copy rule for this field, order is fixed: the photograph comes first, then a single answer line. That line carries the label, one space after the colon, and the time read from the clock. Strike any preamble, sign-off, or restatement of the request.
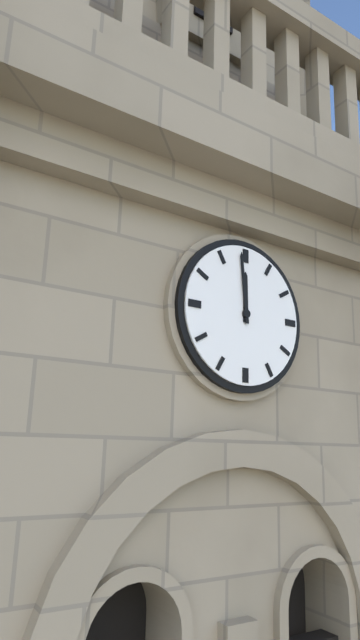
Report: 11:59
